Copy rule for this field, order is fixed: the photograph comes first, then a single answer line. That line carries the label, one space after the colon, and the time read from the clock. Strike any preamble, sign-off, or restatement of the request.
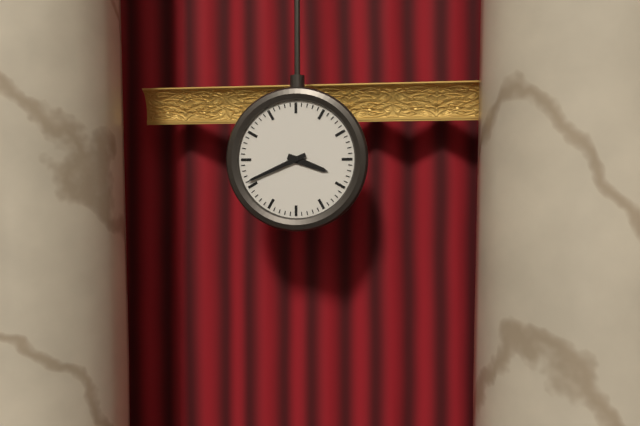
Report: 3:41
